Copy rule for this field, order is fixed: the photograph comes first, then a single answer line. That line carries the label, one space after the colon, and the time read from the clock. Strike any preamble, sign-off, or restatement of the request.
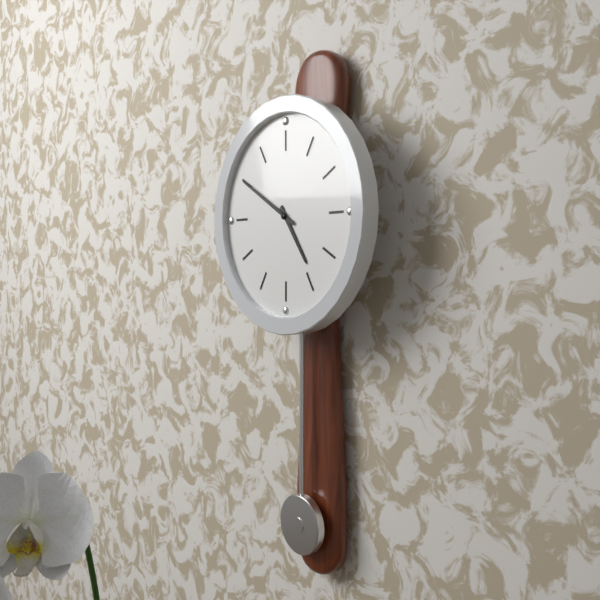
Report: 4:50
